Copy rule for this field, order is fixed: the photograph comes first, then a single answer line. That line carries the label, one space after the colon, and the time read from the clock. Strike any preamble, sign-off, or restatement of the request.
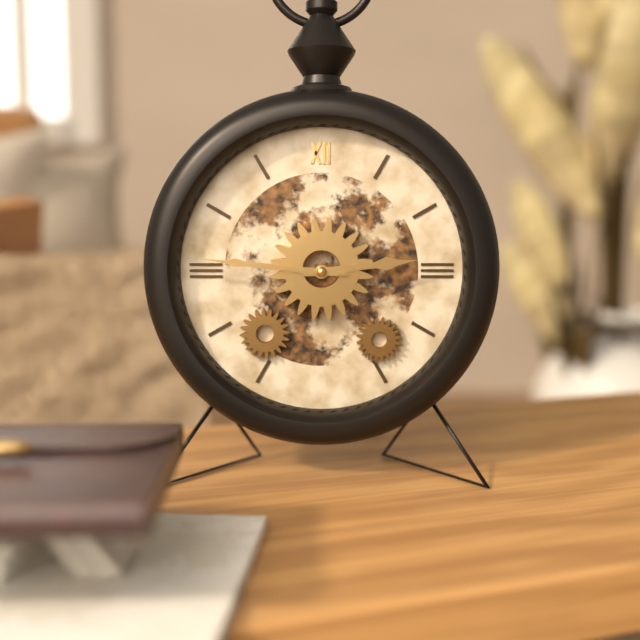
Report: 2:46
